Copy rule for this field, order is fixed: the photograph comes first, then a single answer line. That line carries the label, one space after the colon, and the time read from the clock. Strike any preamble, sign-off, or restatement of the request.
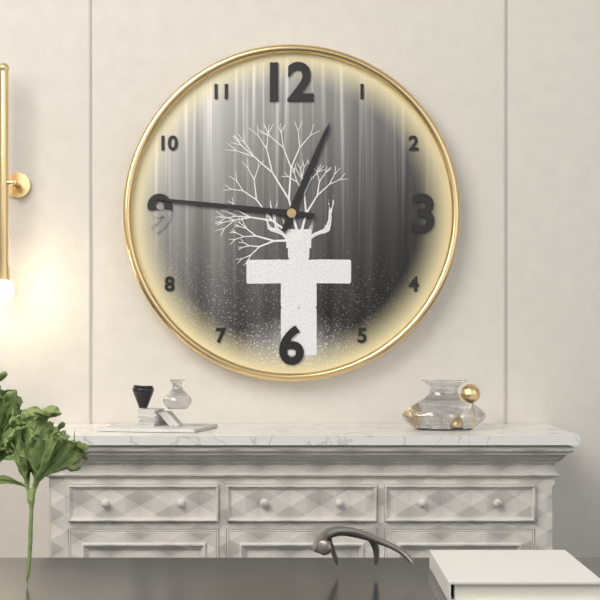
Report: 12:46
